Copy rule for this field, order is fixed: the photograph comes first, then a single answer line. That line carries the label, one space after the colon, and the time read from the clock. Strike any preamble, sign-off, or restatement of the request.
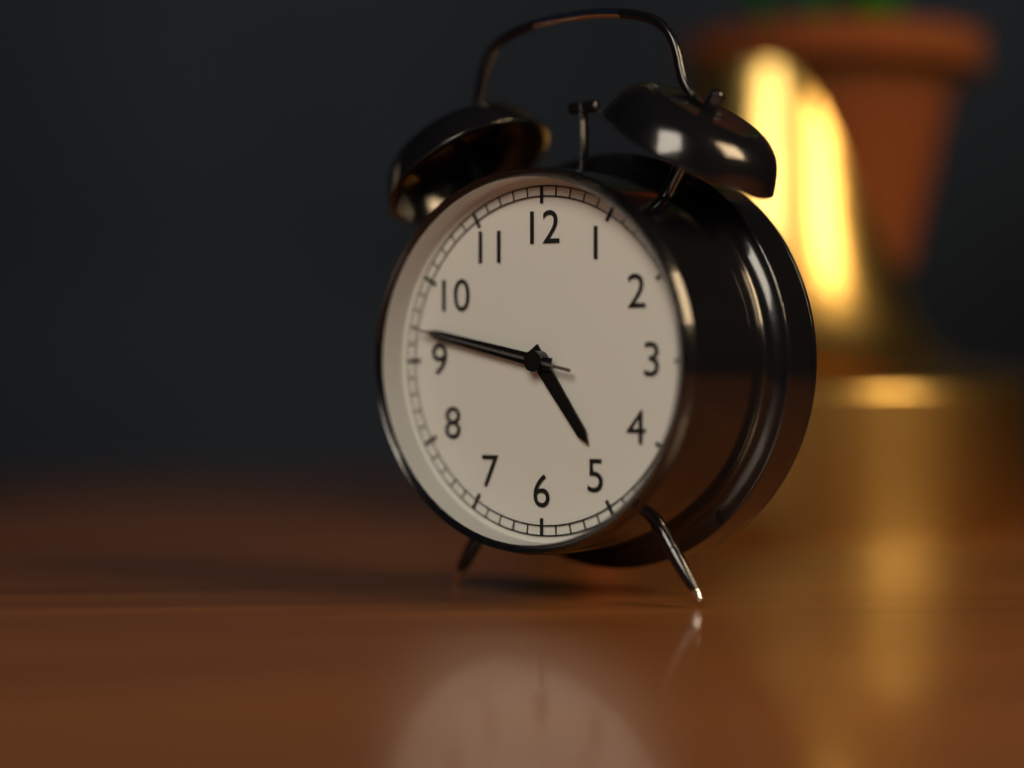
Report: 4:47:47
